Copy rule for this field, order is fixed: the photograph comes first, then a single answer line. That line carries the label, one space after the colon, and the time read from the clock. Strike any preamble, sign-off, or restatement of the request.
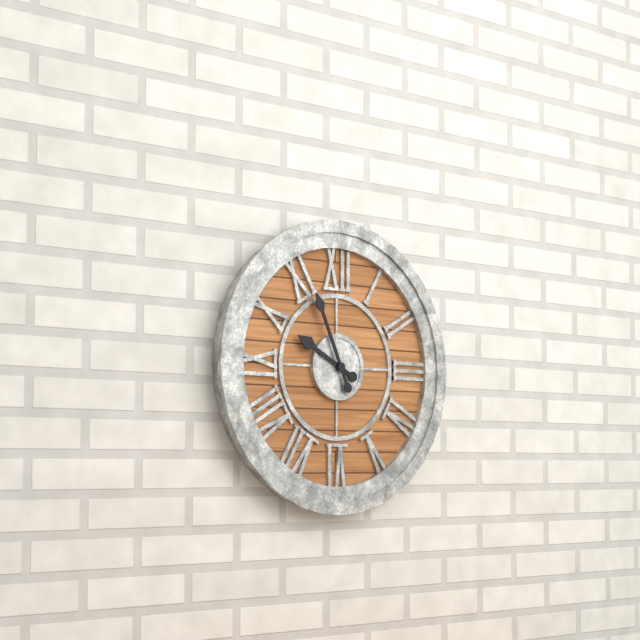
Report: 9:56
